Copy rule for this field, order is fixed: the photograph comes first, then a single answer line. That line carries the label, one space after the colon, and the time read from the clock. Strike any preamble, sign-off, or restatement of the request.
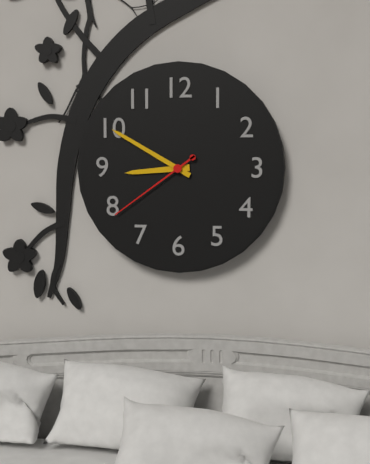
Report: 8:50:39
